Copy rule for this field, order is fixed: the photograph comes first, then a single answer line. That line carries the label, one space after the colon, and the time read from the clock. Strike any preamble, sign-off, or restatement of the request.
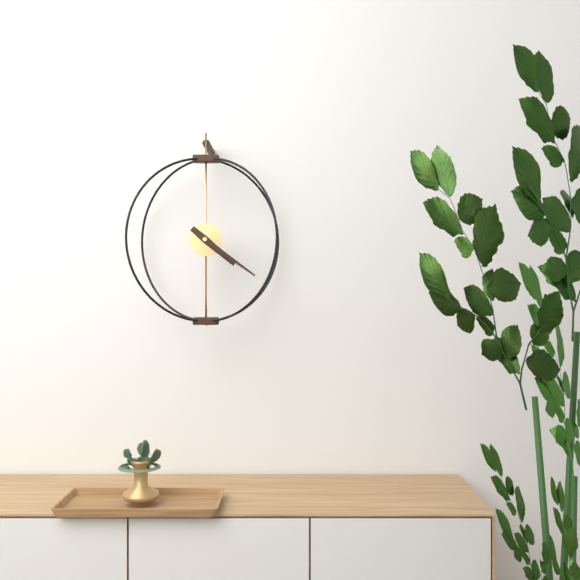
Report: 4:21
